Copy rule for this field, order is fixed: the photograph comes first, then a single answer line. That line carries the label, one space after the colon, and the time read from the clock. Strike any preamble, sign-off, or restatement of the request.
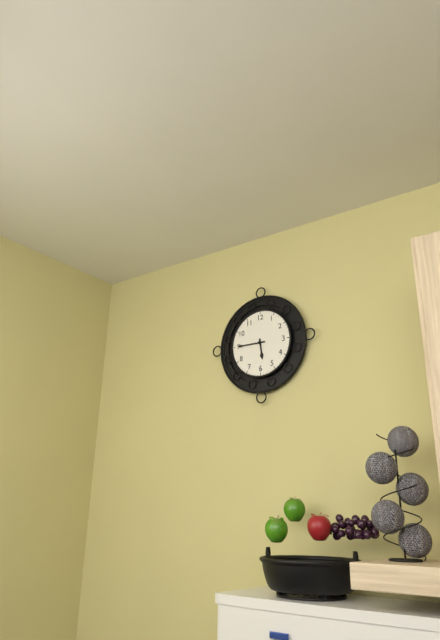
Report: 5:45
